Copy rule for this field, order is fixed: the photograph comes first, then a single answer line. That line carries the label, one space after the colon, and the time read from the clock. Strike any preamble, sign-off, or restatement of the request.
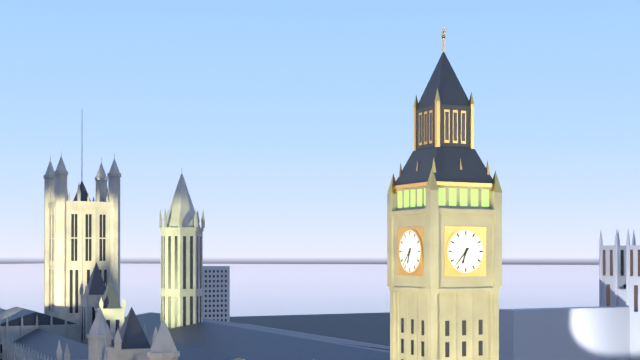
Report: 6:37
